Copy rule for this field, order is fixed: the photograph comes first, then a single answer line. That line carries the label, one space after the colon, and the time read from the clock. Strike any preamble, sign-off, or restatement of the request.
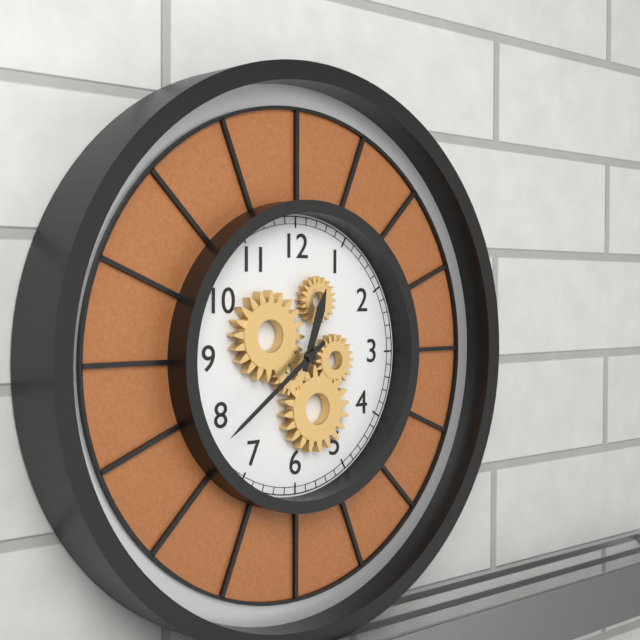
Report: 12:39
